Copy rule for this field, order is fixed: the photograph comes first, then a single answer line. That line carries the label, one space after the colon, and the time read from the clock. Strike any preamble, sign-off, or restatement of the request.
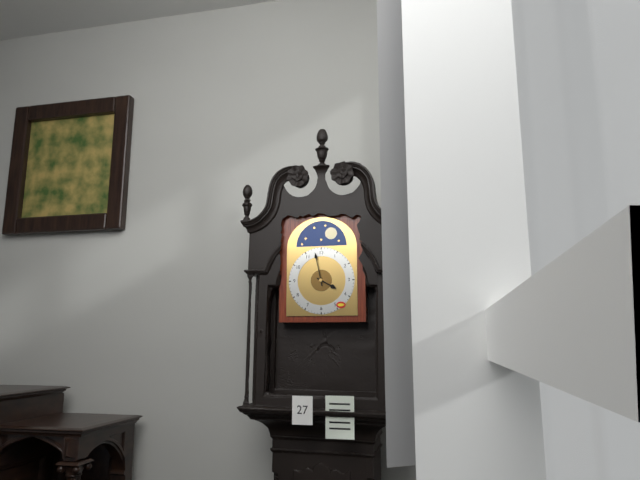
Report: 3:58
